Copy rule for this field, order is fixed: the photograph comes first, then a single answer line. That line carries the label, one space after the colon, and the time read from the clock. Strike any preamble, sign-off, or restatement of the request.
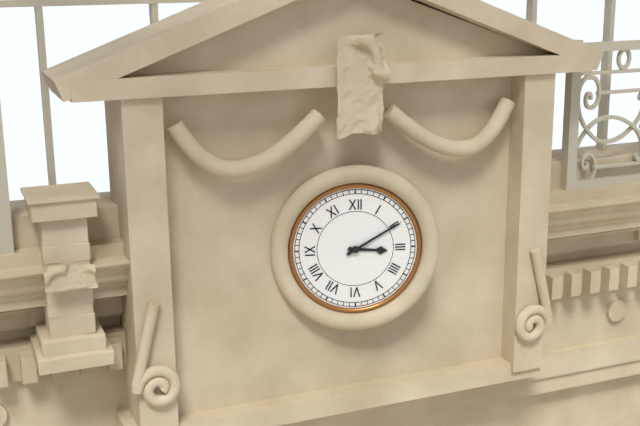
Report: 3:10
